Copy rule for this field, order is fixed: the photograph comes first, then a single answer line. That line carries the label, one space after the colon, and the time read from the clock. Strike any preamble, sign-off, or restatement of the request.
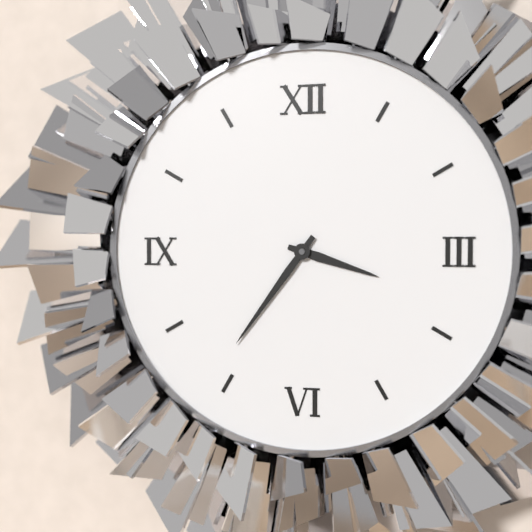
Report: 3:36
